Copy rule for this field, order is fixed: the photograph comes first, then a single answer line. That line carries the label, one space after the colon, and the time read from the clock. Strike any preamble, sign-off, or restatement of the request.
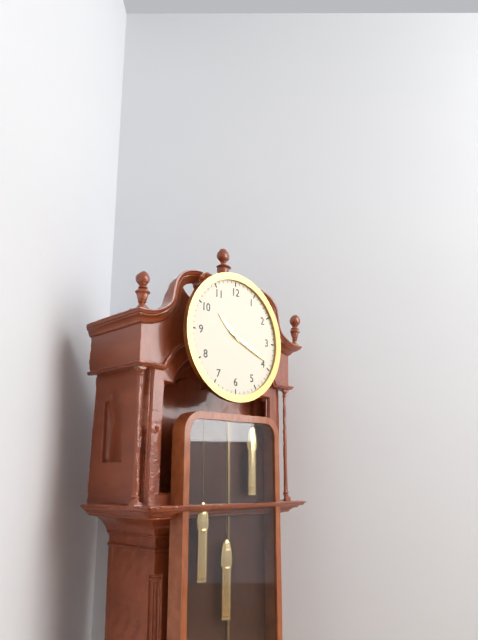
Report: 10:19
